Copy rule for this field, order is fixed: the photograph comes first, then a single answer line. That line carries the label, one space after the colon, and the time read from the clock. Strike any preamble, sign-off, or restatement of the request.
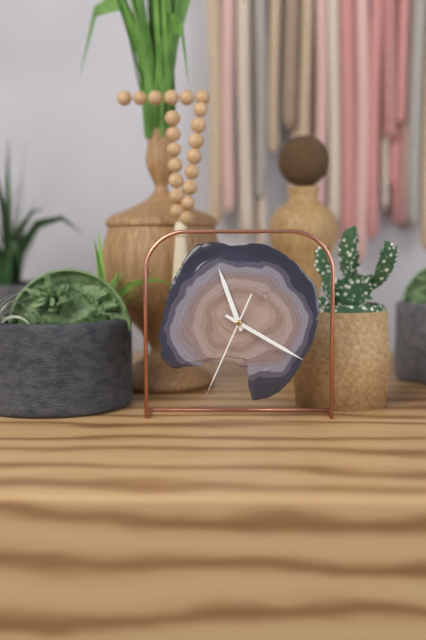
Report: 11:20:34
